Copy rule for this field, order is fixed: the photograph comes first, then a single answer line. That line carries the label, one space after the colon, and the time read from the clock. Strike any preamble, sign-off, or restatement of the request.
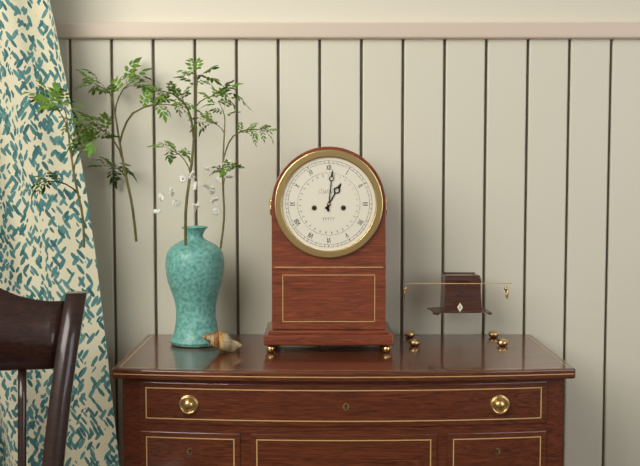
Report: 1:01
